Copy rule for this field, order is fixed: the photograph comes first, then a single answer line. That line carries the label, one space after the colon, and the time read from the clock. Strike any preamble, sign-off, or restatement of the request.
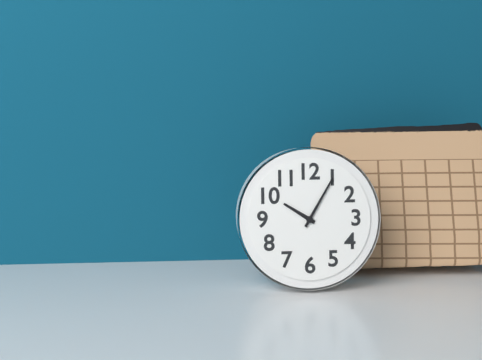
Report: 10:05
